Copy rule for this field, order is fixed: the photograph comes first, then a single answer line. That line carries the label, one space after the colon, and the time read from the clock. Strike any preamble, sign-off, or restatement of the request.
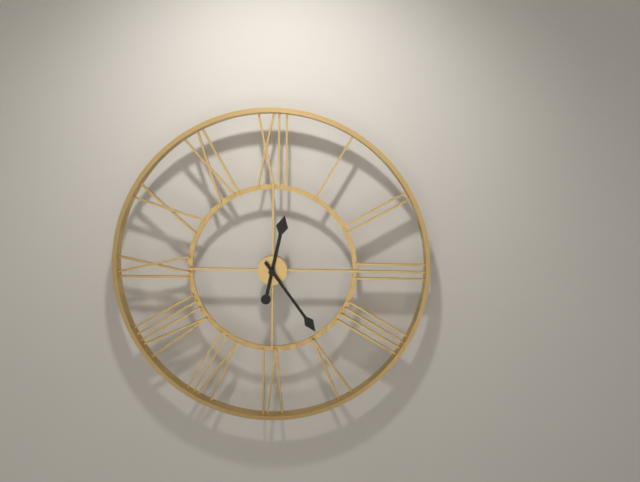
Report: 12:24
